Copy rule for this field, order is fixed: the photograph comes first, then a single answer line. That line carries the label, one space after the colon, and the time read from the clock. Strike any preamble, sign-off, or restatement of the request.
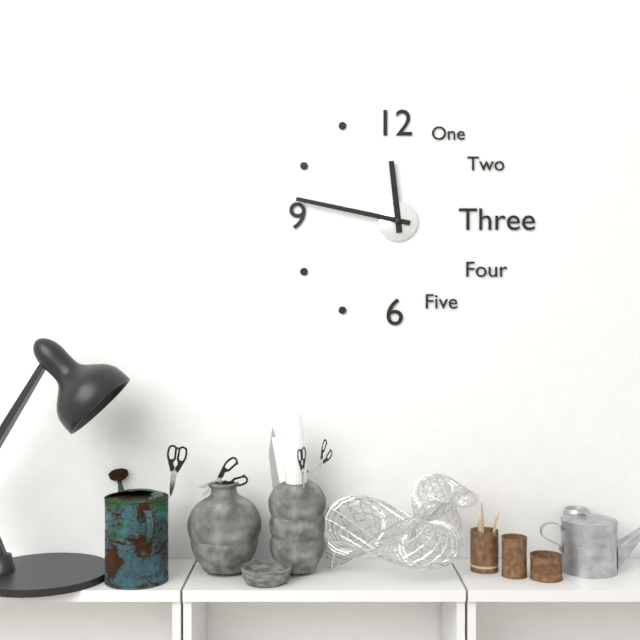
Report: 11:47
